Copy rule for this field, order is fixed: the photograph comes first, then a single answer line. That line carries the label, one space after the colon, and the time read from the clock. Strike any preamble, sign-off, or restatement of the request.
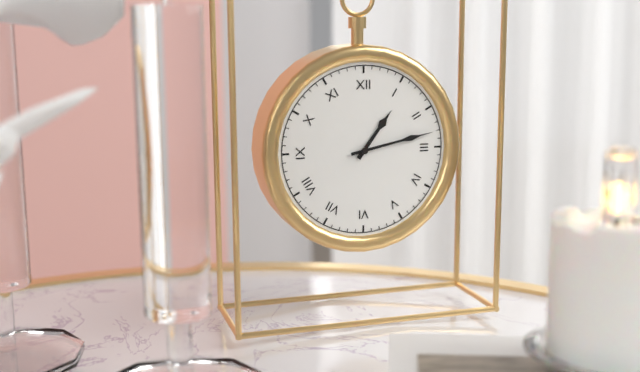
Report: 1:13
